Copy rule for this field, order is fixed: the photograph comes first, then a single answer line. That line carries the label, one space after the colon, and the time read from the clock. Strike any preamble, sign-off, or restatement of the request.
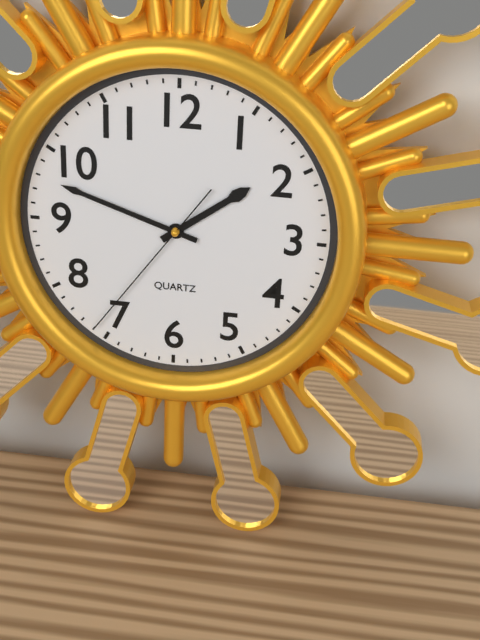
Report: 1:48:36
